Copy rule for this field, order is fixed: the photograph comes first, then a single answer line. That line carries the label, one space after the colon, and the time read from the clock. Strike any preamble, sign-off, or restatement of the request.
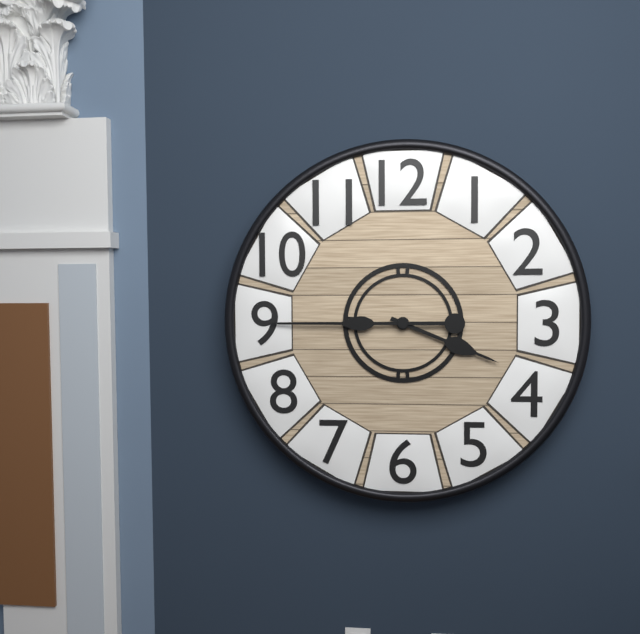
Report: 3:45
